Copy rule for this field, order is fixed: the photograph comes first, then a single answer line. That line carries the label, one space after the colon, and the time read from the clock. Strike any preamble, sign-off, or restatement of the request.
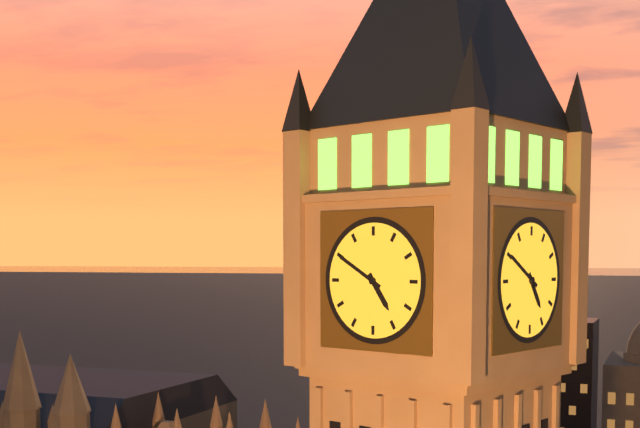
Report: 4:50
